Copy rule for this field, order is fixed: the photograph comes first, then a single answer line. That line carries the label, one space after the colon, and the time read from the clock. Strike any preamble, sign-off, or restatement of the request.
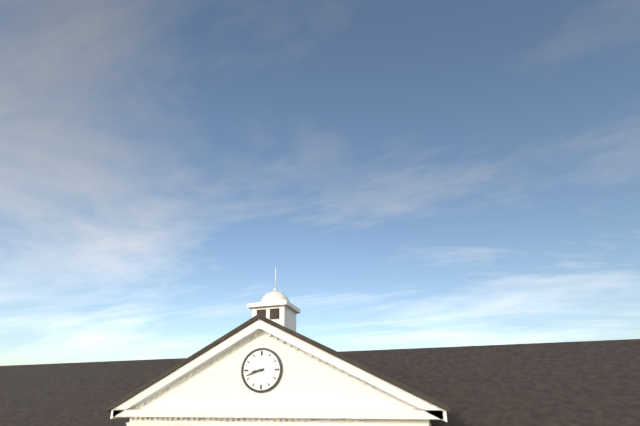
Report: 8:42
